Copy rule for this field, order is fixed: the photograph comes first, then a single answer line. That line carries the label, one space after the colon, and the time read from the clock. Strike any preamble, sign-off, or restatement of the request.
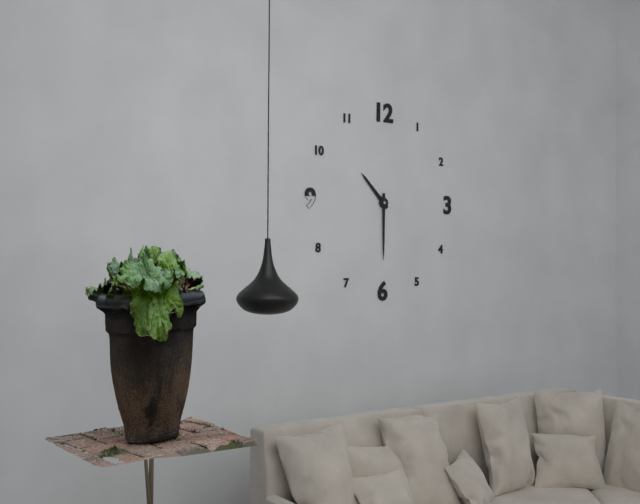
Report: 10:30
